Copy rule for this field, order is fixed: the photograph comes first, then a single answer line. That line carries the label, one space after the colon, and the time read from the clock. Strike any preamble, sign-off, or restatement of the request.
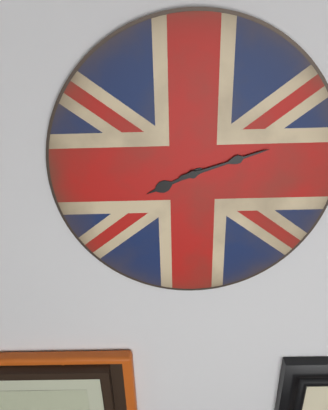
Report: 8:12
